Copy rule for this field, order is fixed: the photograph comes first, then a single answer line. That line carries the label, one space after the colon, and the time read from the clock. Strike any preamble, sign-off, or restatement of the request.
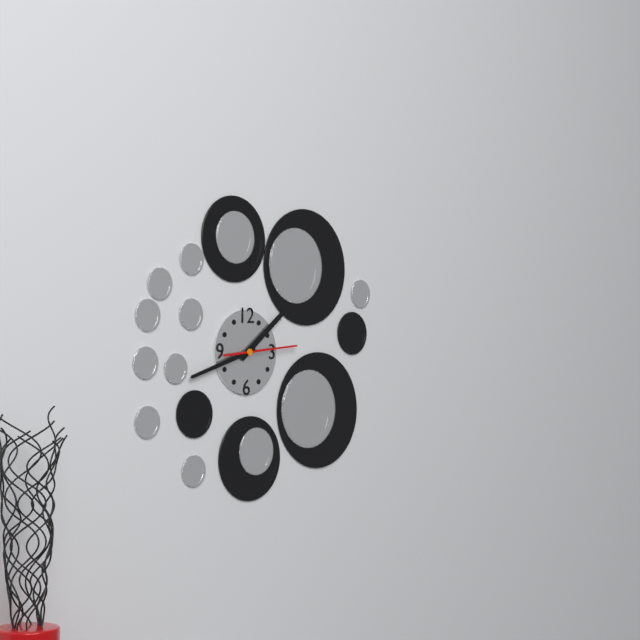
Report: 1:42:14
